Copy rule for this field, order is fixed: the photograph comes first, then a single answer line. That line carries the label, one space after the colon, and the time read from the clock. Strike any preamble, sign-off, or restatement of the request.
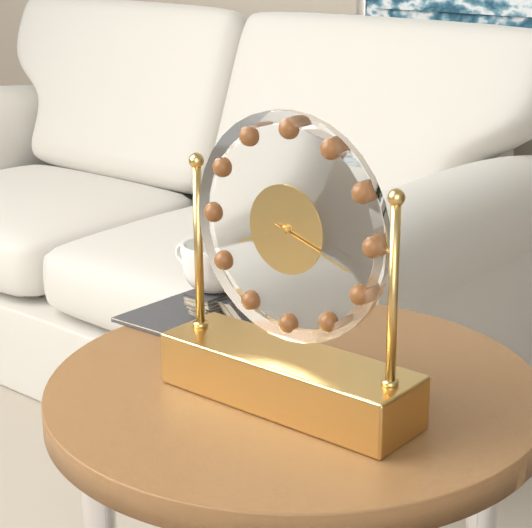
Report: 8:18
